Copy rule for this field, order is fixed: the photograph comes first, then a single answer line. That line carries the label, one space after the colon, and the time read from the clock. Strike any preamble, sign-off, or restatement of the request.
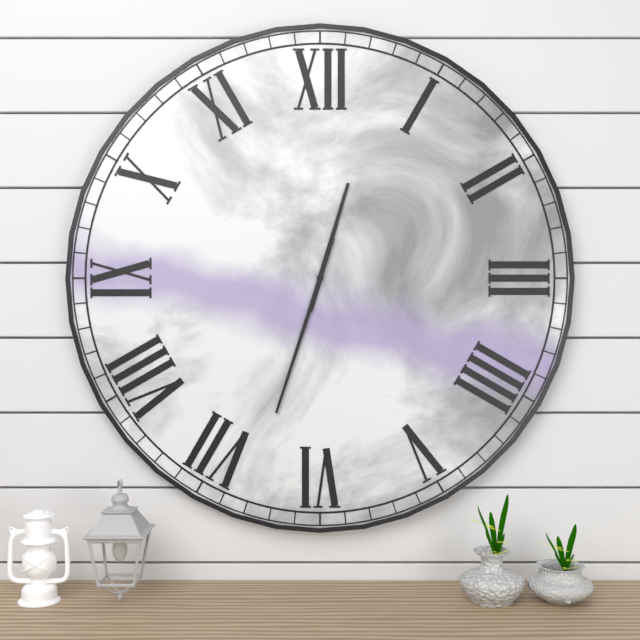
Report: 12:33
